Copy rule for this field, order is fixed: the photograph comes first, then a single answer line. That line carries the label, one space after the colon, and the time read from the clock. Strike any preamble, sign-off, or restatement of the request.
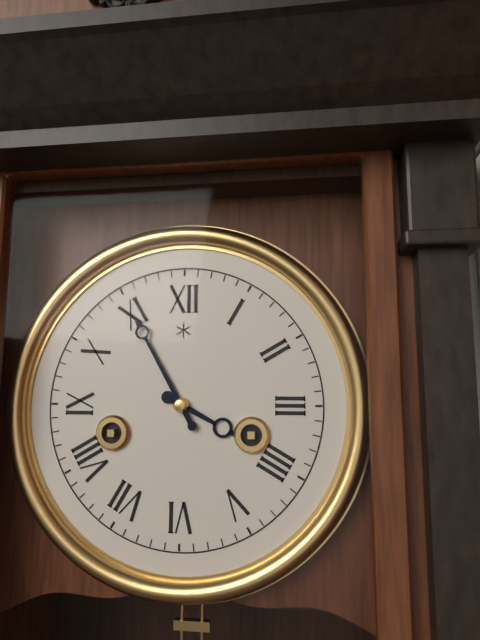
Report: 3:55
